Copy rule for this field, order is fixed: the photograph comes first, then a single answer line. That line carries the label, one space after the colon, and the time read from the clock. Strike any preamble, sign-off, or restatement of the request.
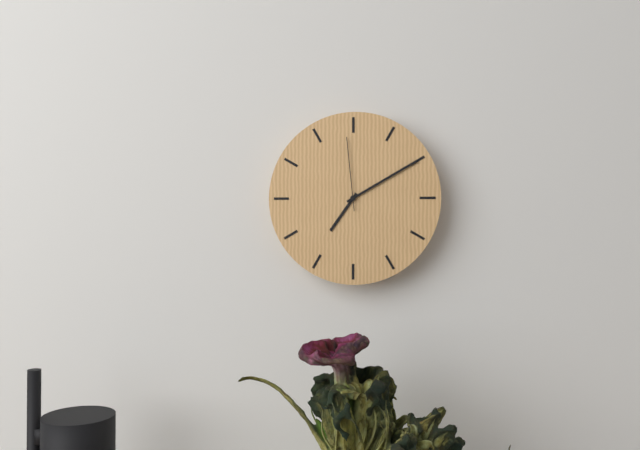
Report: 7:10:59
